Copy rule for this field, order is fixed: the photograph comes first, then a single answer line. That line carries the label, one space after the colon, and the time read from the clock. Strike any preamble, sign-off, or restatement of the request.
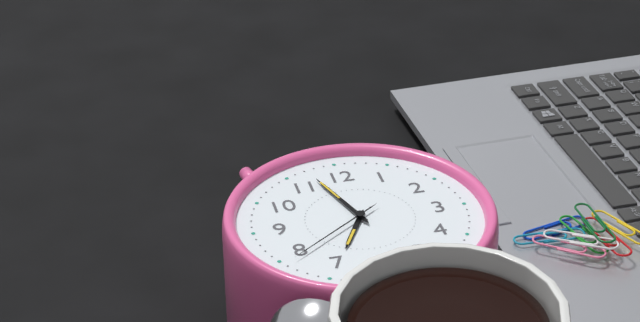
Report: 6:57:39
